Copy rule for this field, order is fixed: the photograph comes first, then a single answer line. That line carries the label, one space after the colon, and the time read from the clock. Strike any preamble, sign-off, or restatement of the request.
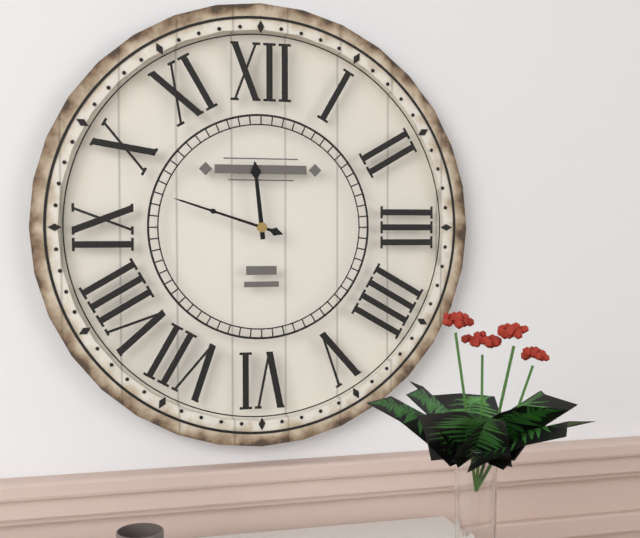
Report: 11:48
